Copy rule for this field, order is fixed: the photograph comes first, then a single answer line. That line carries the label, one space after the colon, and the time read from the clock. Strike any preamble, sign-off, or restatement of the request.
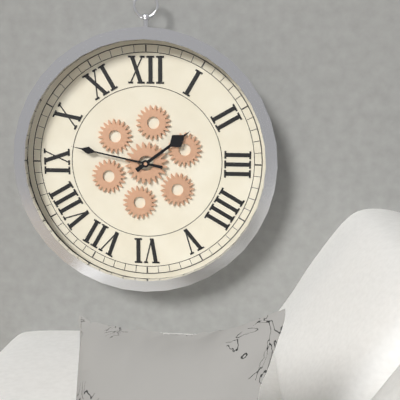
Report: 1:47
